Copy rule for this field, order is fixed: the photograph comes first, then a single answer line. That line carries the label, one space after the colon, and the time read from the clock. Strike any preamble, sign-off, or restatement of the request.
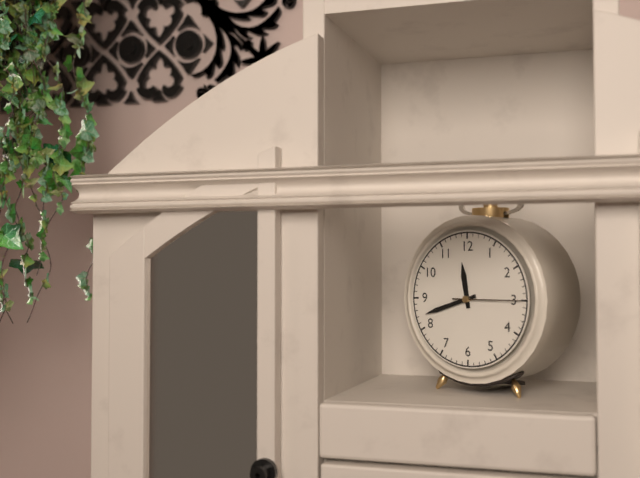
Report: 11:42:15
